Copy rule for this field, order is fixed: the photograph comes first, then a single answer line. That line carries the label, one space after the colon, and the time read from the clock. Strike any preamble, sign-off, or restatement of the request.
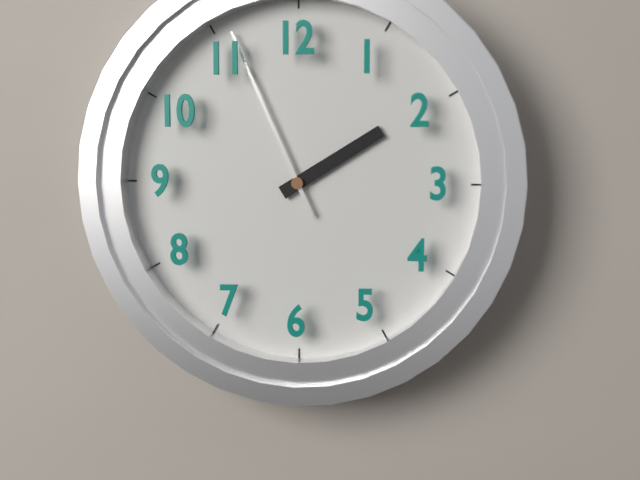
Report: 1:56
